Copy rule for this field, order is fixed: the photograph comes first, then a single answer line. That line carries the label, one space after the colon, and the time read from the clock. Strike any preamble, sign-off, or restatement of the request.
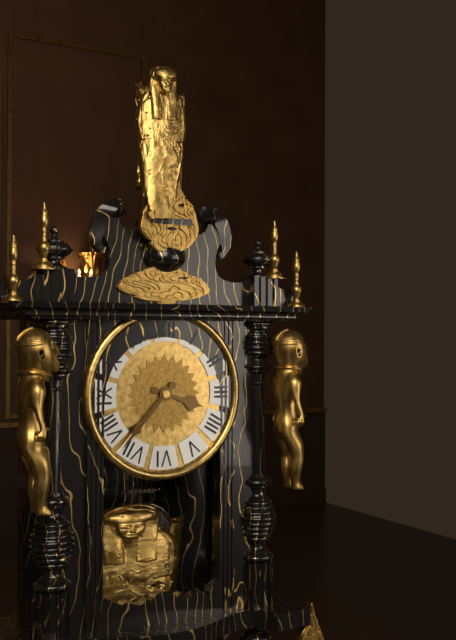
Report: 3:37
